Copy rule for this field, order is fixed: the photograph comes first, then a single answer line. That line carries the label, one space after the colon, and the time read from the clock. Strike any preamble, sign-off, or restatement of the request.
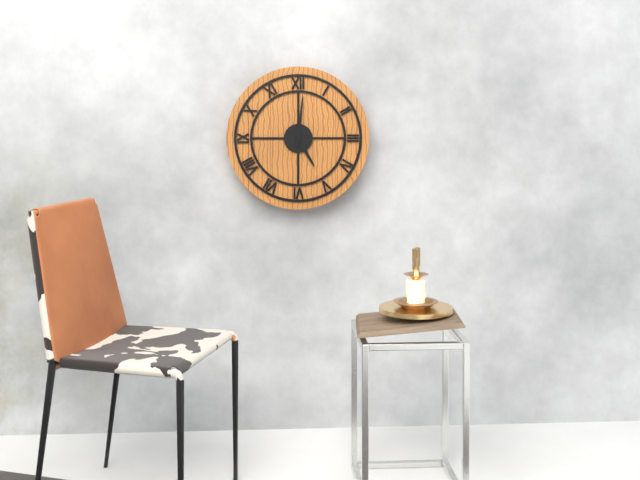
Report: 5:01
